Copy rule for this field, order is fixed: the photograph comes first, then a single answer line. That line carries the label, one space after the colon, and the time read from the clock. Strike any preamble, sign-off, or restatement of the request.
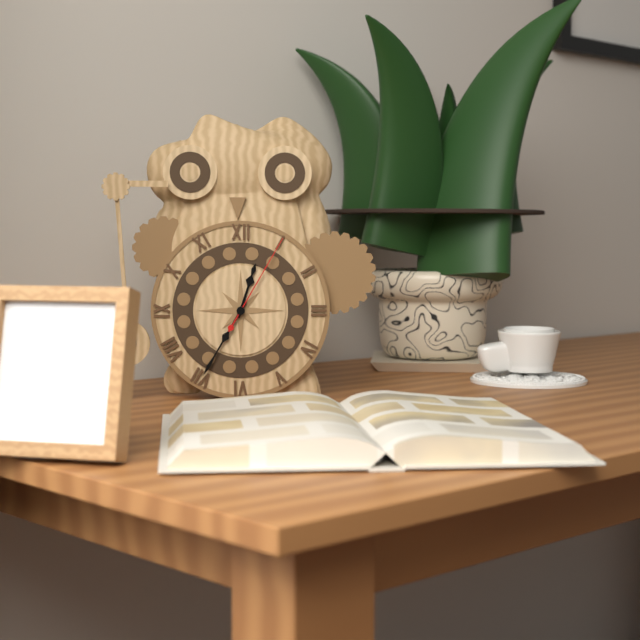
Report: 12:35:05
